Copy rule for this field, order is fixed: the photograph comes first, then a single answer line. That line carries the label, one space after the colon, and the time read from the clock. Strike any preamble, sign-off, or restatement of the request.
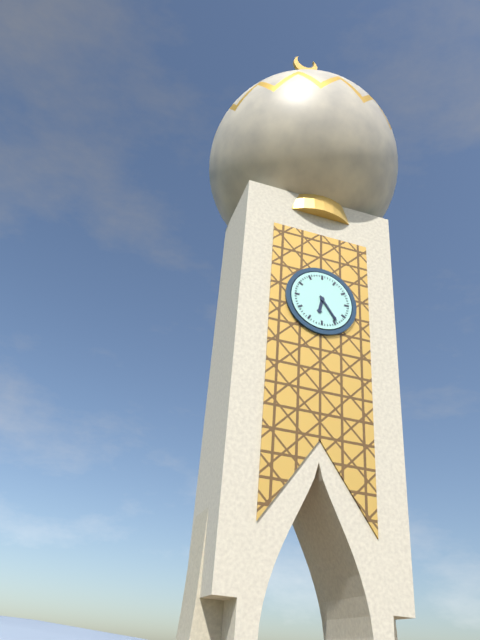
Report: 6:24
